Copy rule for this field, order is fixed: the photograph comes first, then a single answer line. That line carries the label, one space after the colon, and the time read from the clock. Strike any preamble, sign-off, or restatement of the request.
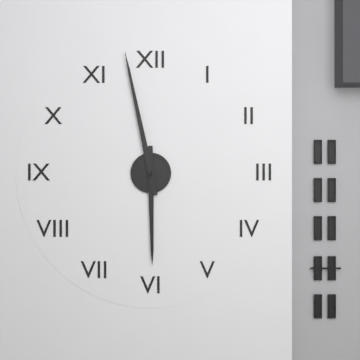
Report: 5:58
